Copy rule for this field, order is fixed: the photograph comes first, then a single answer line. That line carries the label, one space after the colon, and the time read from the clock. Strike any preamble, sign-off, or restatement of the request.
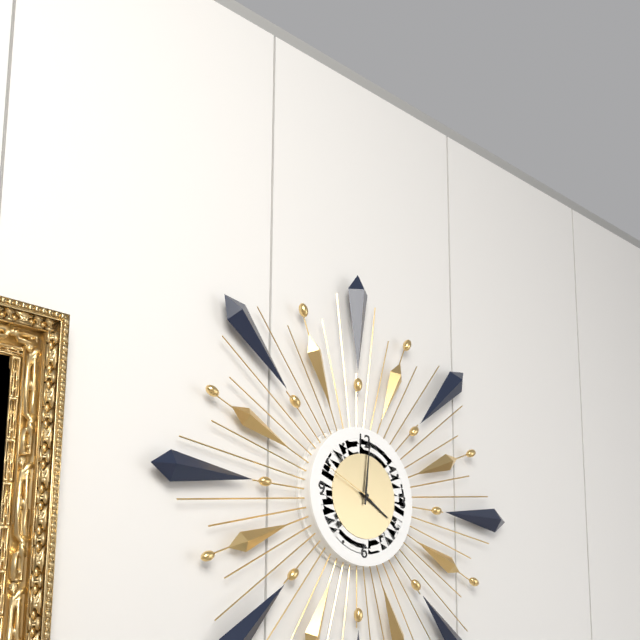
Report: 4:01:49
